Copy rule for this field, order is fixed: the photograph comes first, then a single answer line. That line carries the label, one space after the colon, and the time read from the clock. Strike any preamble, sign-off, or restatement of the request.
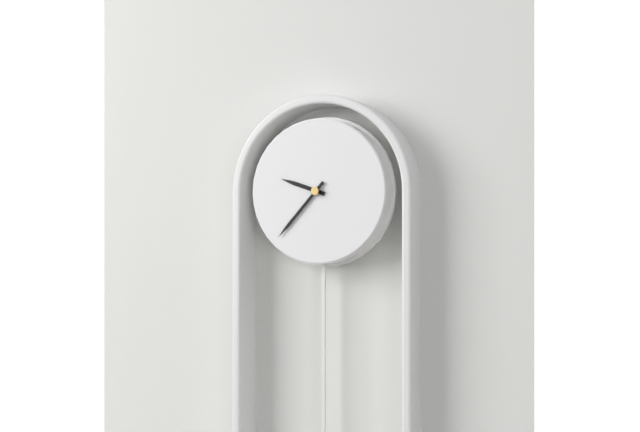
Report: 9:37
